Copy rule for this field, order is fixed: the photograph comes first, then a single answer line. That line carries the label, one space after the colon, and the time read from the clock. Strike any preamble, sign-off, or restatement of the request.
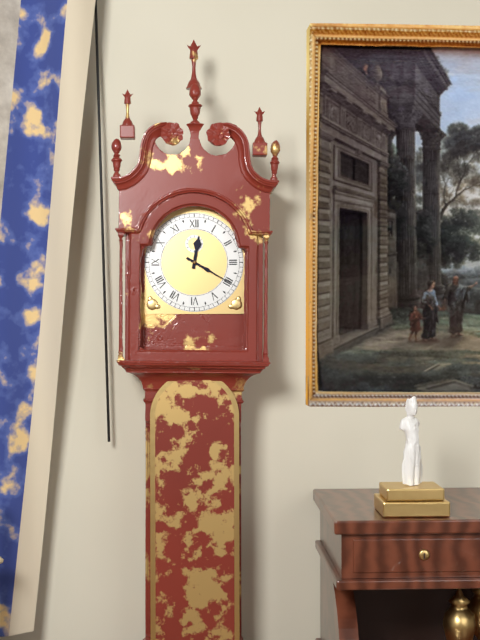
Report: 12:20
